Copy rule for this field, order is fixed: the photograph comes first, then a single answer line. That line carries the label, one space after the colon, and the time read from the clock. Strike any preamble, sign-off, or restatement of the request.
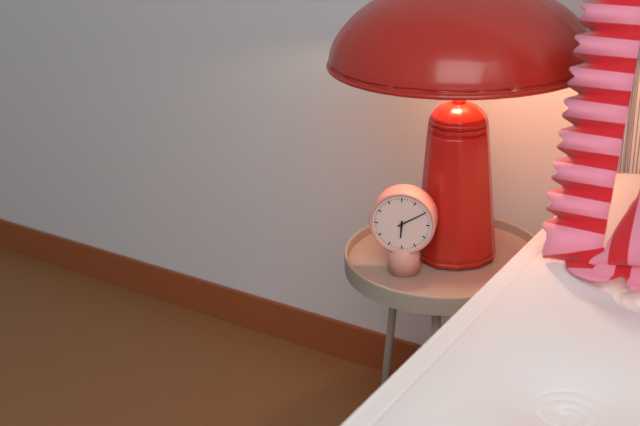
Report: 6:10
